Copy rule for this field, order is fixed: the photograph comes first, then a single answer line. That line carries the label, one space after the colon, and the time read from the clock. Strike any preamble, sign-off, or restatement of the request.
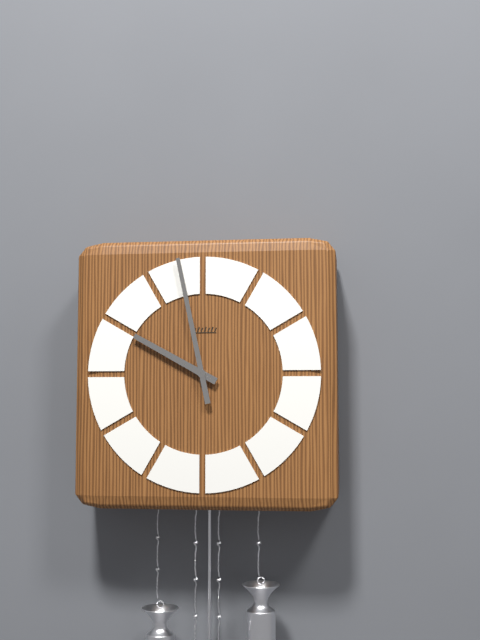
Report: 9:58
